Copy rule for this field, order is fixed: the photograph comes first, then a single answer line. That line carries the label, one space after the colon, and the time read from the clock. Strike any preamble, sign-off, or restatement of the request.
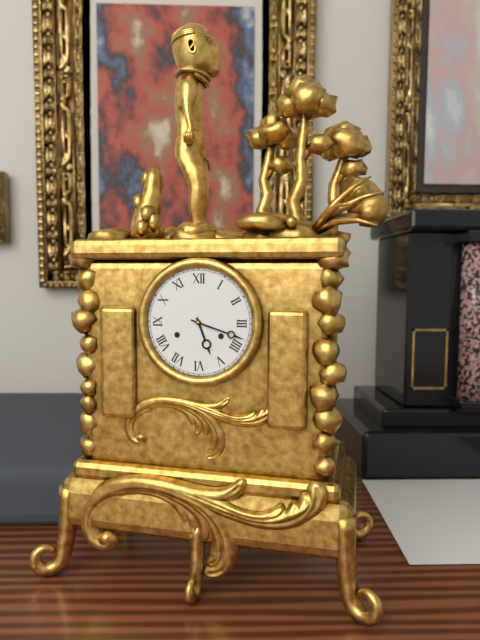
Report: 5:18
